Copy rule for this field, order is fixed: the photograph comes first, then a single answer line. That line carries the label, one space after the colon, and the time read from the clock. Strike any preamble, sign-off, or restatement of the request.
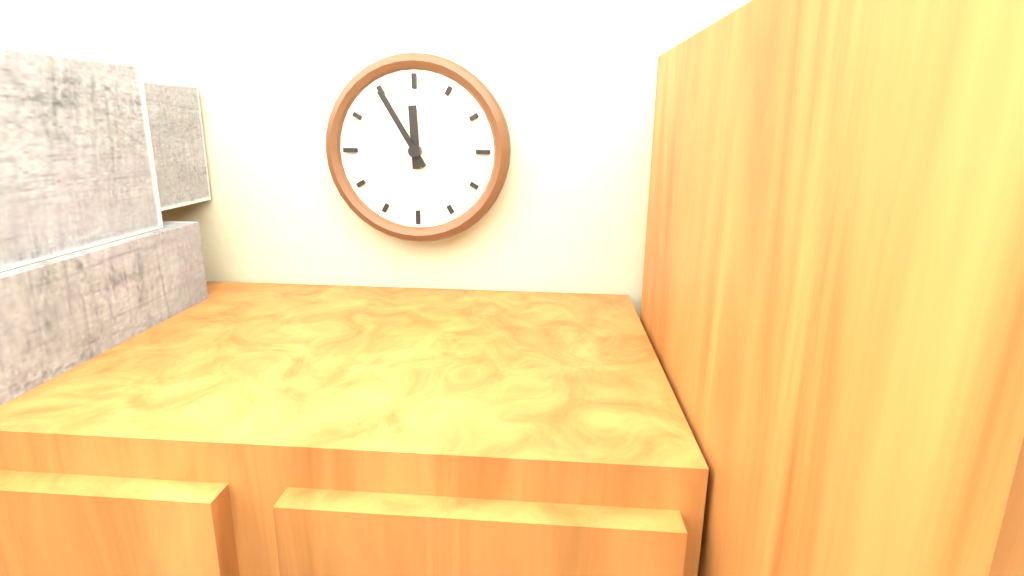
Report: 11:55
